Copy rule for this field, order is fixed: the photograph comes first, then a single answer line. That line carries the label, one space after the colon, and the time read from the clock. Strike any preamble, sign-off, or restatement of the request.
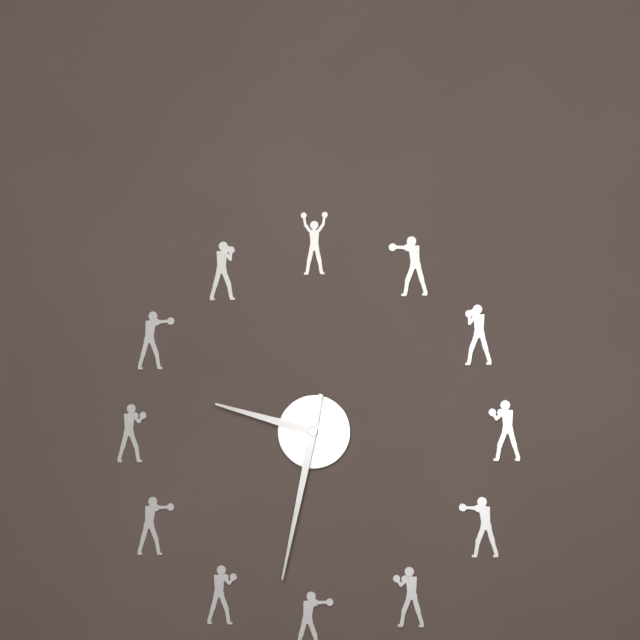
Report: 9:32
